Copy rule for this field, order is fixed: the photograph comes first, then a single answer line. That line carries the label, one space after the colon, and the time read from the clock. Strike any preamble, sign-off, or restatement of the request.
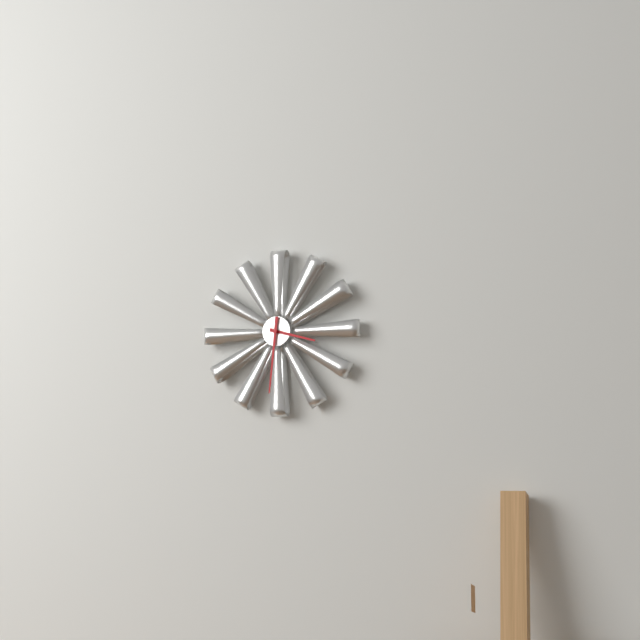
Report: 3:31
